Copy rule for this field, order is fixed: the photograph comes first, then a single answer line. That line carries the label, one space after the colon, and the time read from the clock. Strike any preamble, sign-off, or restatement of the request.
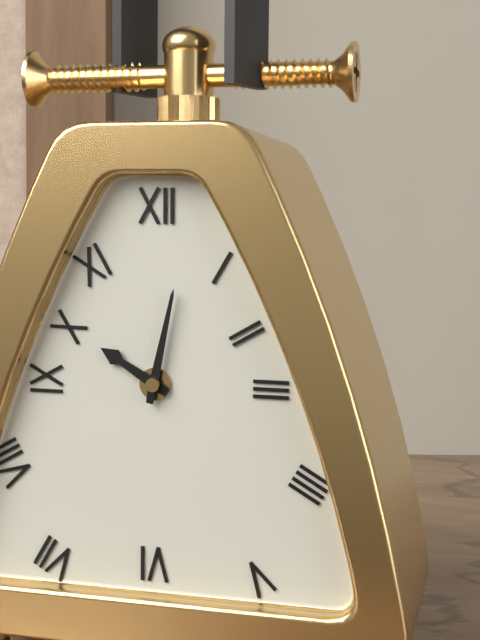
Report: 10:02
